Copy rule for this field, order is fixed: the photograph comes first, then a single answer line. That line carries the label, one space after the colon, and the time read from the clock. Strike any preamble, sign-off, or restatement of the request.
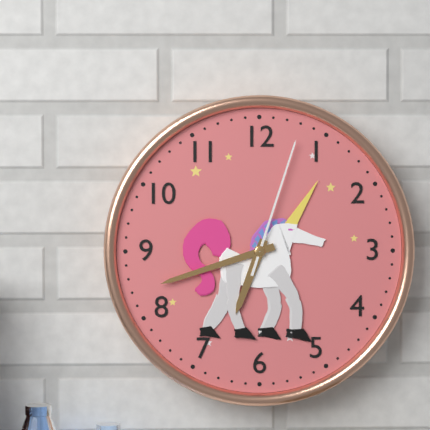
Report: 6:42:03
